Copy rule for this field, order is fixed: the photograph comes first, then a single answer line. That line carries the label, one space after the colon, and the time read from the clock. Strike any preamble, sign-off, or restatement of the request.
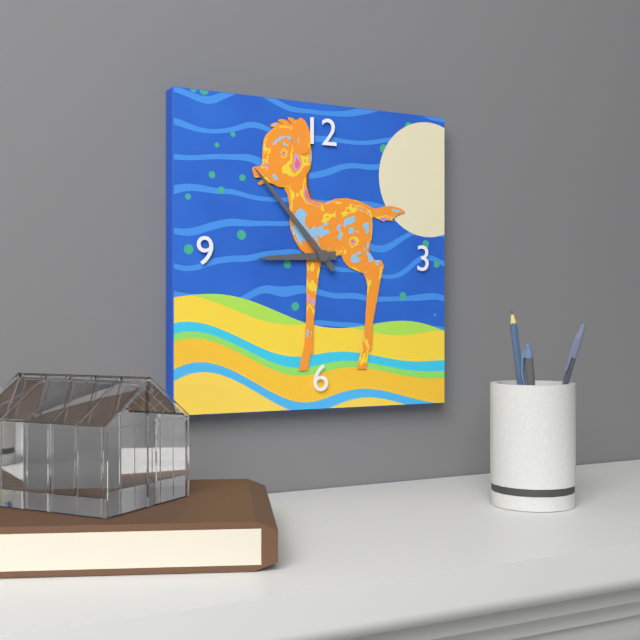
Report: 8:53
